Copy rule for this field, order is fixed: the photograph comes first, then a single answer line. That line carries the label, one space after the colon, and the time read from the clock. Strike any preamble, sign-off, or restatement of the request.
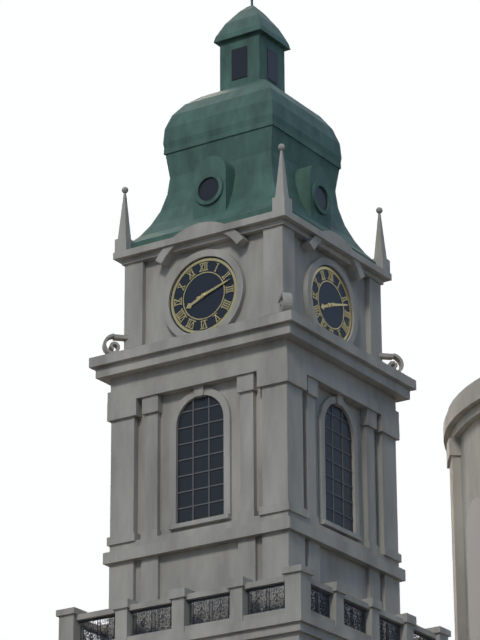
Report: 8:12
